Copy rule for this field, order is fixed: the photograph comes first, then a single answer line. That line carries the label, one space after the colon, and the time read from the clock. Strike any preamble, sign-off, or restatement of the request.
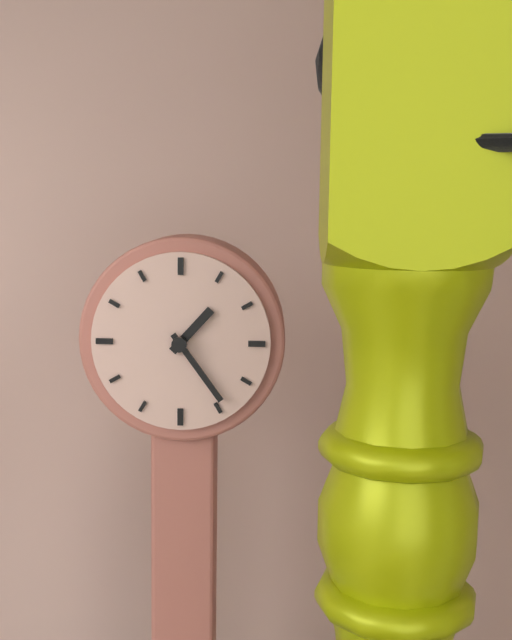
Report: 1:24
